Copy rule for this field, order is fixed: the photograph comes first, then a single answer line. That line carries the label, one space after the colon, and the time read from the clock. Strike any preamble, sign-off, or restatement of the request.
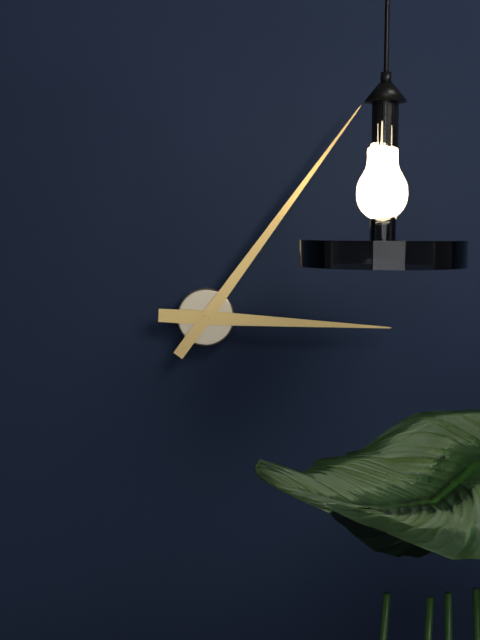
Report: 3:06
